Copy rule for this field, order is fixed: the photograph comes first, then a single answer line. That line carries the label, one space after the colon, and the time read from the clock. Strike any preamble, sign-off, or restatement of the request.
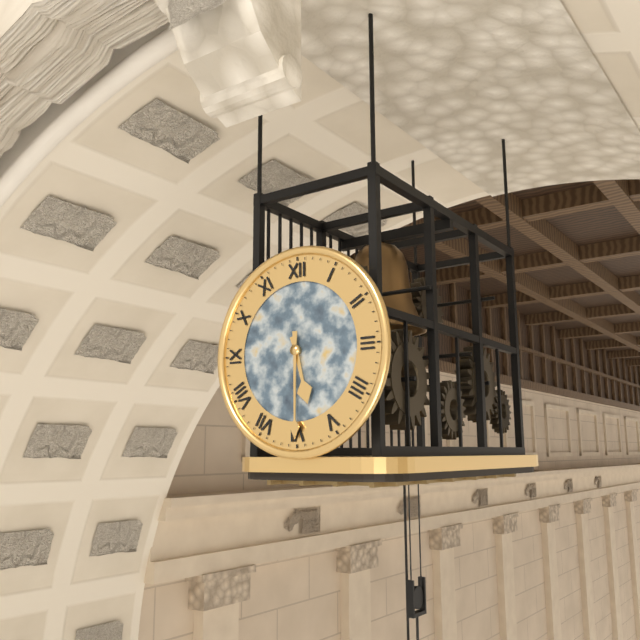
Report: 5:30
